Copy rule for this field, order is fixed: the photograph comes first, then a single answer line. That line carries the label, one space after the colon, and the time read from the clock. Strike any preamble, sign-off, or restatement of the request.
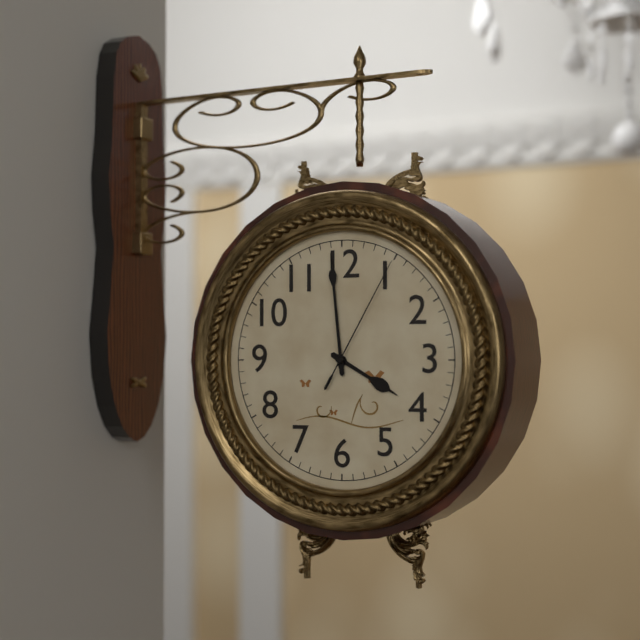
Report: 3:59:05
